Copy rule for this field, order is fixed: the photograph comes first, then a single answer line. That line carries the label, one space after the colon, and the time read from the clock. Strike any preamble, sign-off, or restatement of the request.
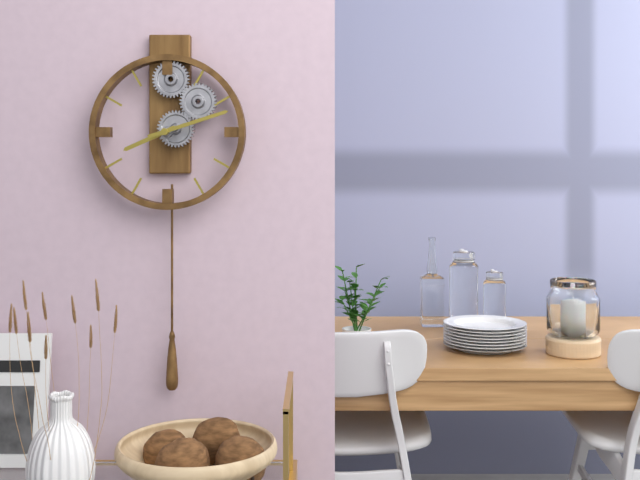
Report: 8:12
